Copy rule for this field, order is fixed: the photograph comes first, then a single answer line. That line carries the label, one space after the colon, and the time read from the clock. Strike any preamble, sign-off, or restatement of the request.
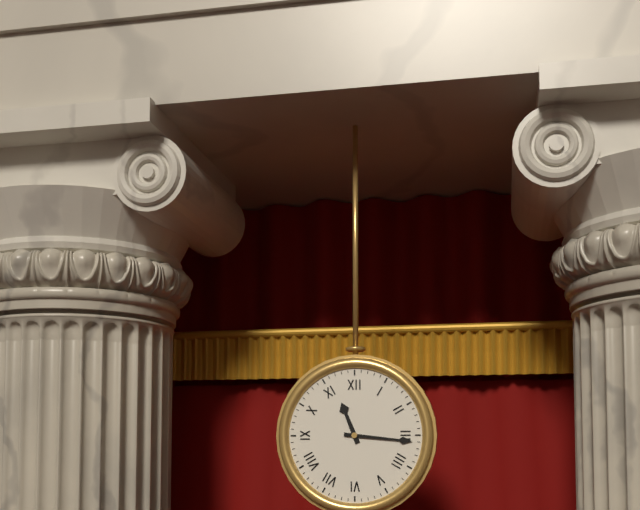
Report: 11:16
